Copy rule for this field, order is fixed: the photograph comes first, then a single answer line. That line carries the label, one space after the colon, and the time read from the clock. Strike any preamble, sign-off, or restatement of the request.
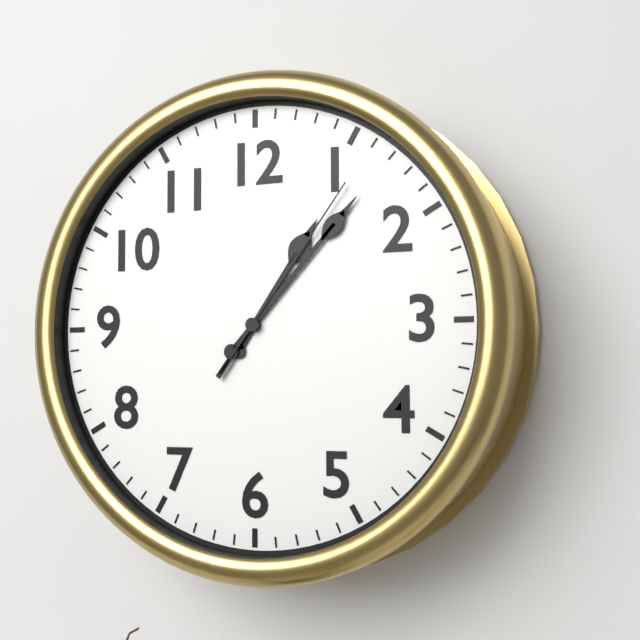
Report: 1:07:06
